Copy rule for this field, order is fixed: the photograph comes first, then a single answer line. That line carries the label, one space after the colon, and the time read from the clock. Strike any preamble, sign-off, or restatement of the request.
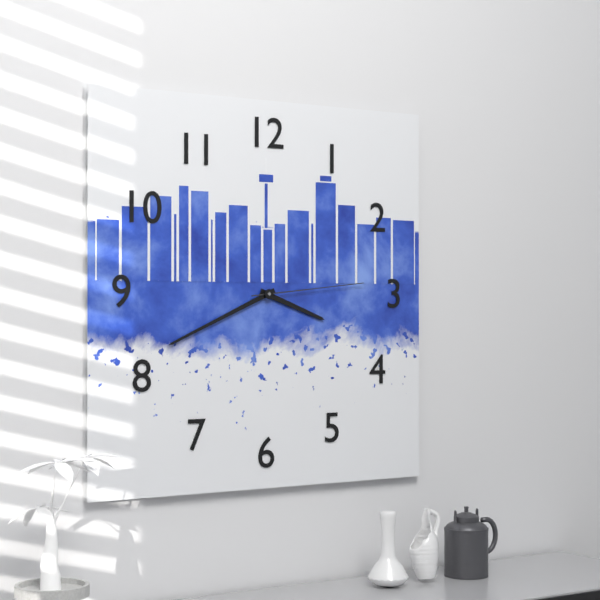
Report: 3:41:14
